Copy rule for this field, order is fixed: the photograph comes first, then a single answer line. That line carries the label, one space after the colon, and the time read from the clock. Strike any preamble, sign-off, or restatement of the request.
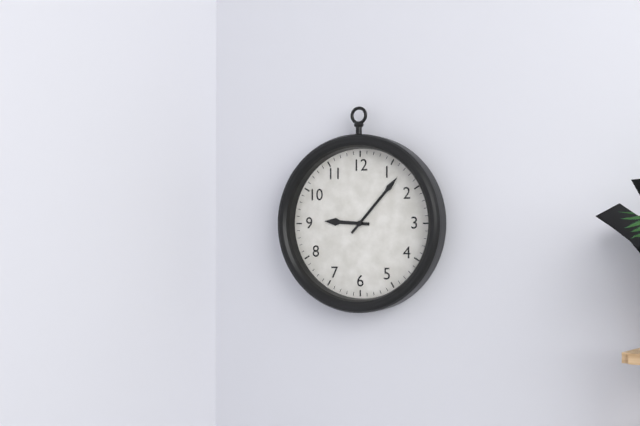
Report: 9:07
